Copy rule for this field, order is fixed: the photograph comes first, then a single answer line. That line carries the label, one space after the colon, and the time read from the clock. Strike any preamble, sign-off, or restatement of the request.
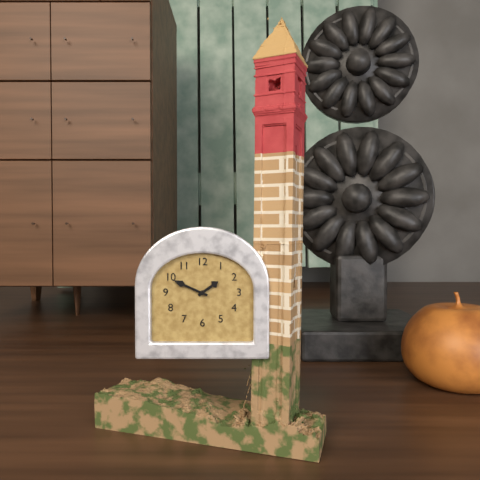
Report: 1:49
